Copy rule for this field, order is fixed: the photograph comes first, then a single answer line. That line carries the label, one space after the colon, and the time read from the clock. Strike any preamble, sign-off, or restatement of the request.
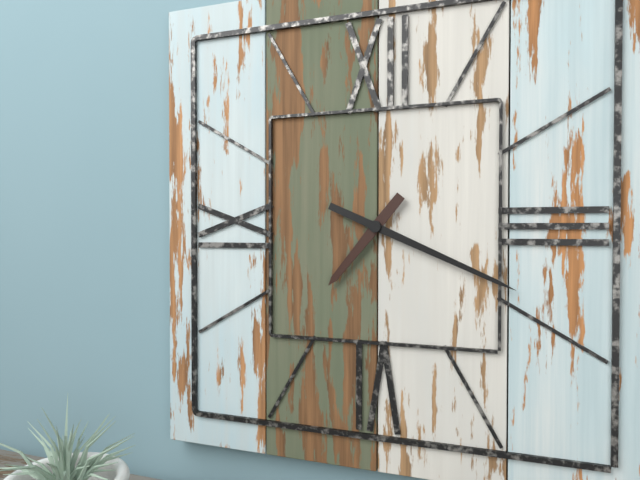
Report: 7:19
